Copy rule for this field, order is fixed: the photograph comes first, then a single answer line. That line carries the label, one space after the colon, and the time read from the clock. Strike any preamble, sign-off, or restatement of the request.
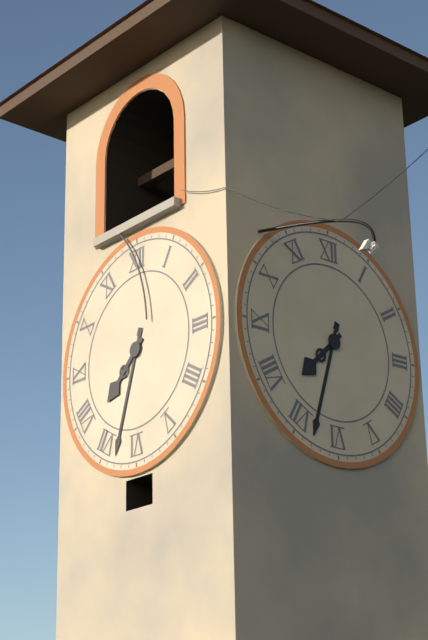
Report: 7:33
